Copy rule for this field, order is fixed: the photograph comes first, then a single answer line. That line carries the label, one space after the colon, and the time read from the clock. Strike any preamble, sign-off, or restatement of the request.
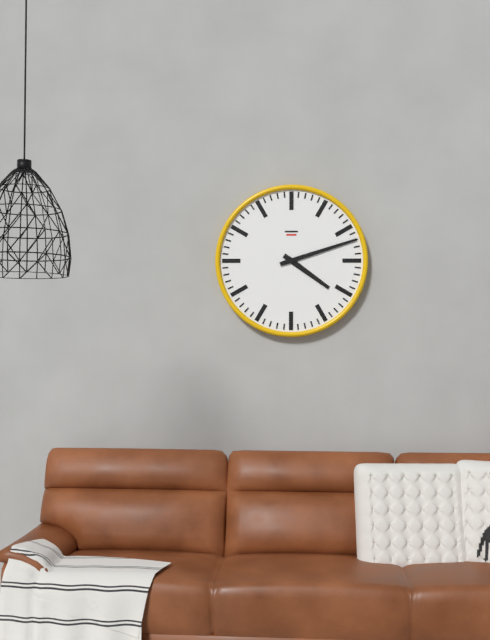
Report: 4:12
